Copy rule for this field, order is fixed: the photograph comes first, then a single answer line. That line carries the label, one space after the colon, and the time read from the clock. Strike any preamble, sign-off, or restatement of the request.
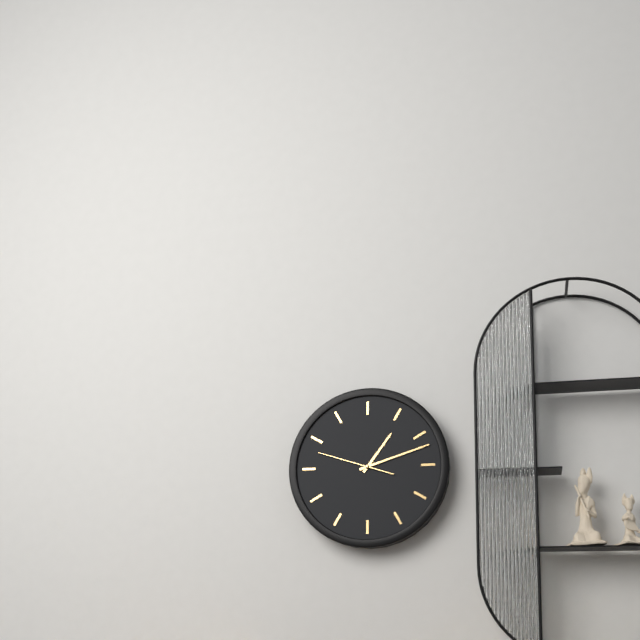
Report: 1:12:48
